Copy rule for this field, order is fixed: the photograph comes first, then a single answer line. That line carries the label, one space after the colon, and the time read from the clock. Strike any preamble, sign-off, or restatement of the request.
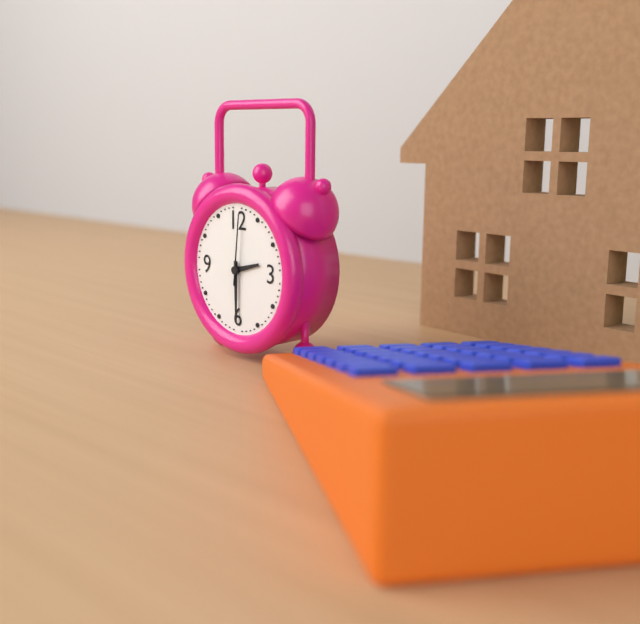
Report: 2:30:01
